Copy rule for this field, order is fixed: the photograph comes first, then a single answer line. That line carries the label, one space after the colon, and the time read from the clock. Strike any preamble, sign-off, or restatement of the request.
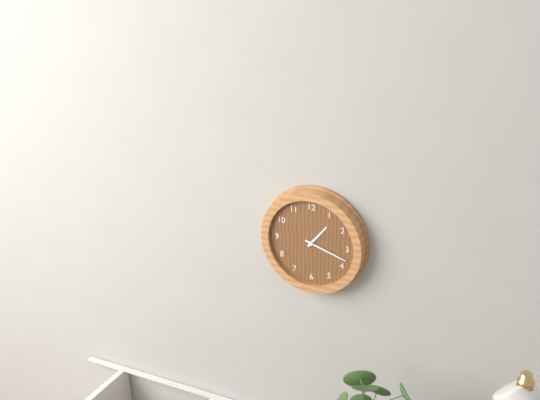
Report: 1:18
